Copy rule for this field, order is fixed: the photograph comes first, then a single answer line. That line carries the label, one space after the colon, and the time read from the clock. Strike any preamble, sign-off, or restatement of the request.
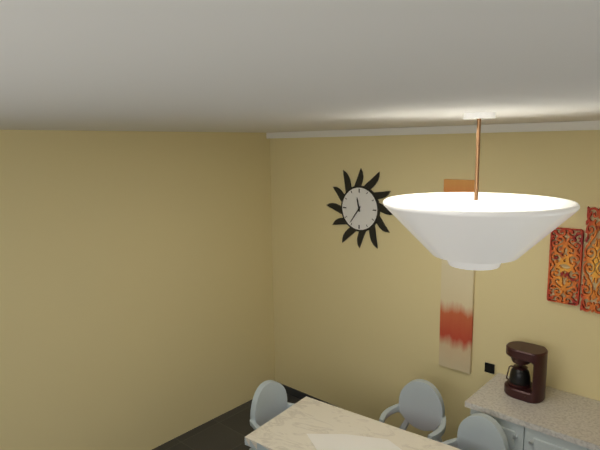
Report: 11:36
